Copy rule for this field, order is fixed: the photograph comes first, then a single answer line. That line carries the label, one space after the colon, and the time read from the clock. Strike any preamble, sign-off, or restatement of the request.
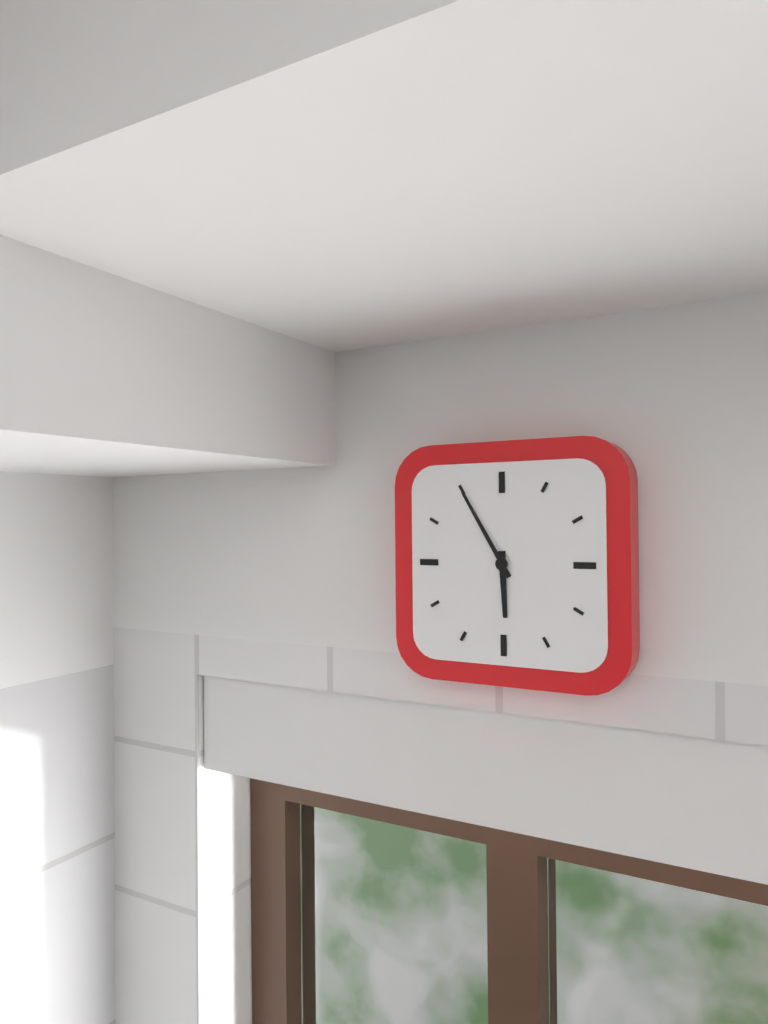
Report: 5:55
